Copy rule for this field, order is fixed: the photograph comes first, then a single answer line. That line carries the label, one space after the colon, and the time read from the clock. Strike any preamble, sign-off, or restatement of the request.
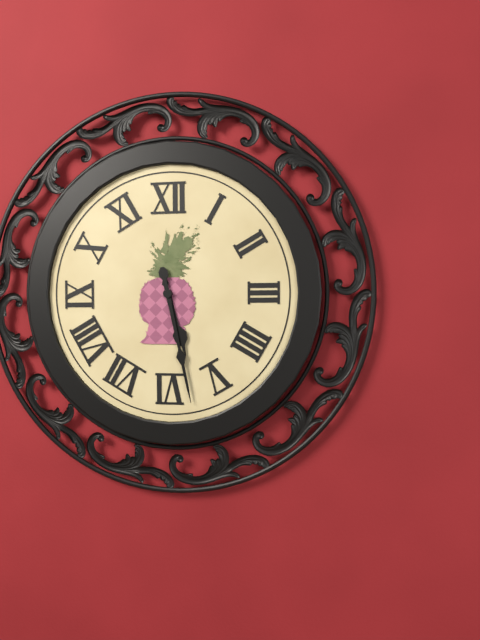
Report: 5:28
